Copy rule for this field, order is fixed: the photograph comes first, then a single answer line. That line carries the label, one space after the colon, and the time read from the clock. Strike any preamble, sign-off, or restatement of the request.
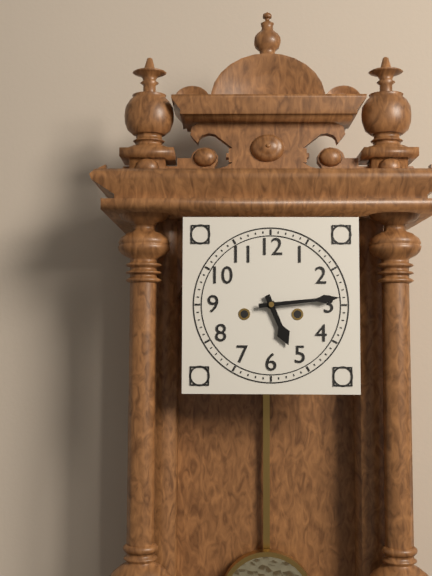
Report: 5:14
